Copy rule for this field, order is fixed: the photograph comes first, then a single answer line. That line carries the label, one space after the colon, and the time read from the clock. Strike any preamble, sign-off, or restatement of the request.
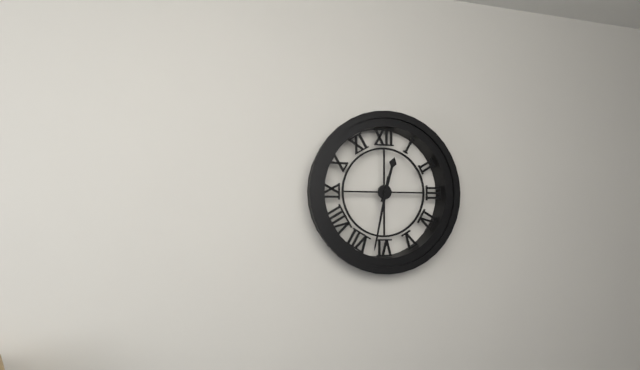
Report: 12:32
